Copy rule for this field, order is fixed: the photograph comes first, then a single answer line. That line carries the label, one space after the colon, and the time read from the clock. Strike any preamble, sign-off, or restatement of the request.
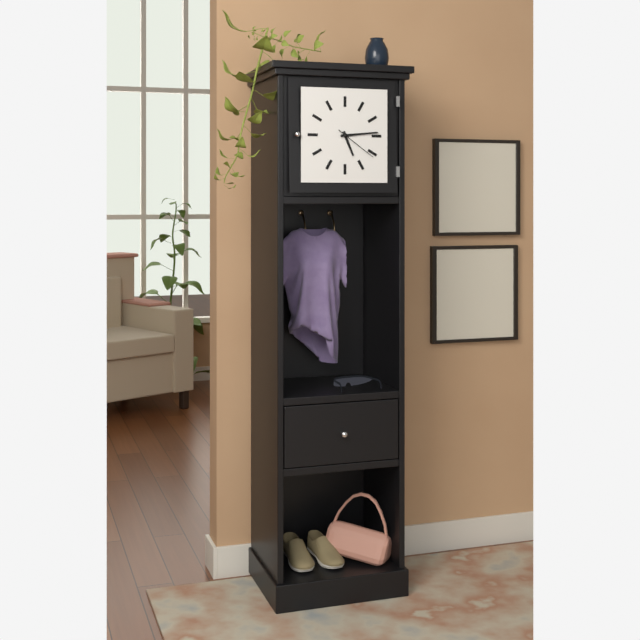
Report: 5:14
